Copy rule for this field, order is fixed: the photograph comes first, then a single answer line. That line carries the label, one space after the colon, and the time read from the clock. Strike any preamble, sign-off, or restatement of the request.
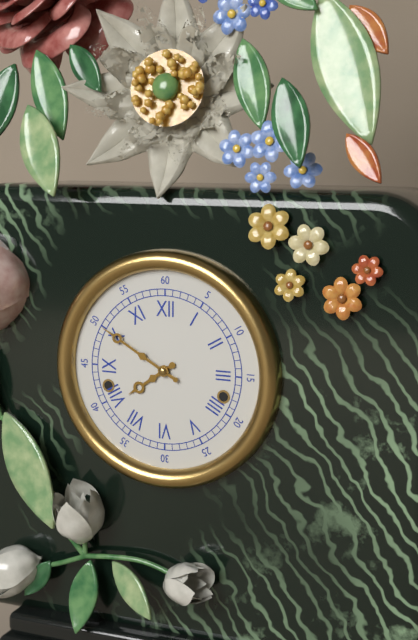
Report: 7:50
